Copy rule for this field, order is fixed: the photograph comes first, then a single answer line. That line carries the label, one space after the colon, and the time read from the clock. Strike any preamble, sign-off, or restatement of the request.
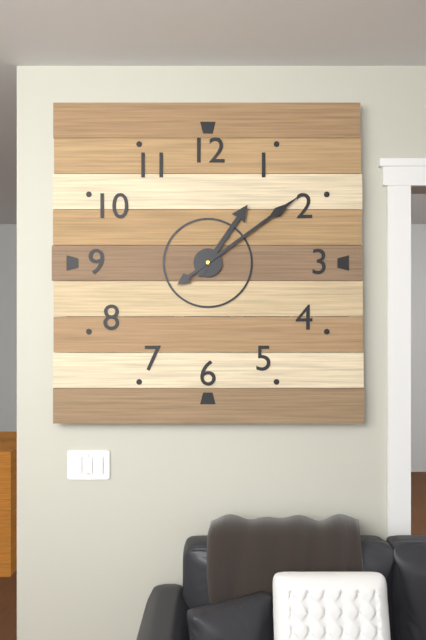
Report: 1:09
